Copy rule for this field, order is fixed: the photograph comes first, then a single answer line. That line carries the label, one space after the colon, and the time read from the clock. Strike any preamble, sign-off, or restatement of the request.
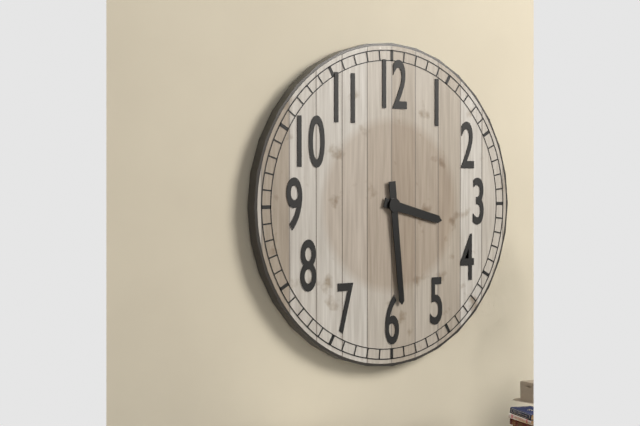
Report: 3:29
